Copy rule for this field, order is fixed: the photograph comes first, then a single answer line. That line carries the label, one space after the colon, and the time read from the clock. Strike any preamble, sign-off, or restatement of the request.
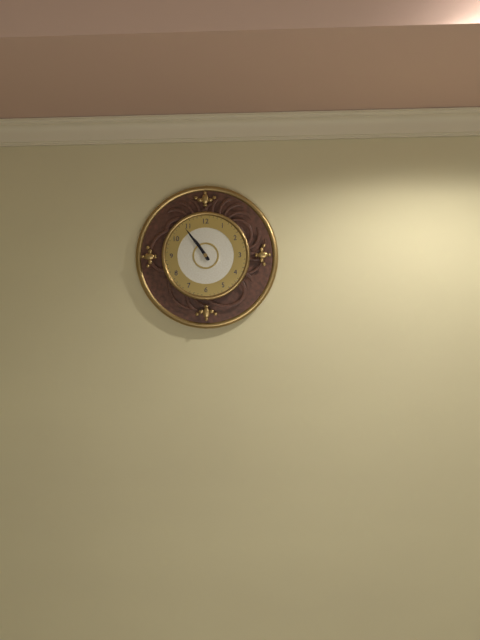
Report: 10:54
